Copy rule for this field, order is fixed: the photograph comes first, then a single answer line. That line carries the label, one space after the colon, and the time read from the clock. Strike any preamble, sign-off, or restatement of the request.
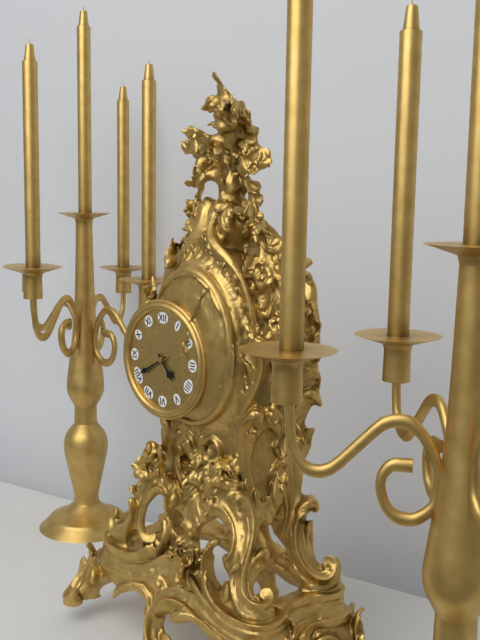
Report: 4:40
